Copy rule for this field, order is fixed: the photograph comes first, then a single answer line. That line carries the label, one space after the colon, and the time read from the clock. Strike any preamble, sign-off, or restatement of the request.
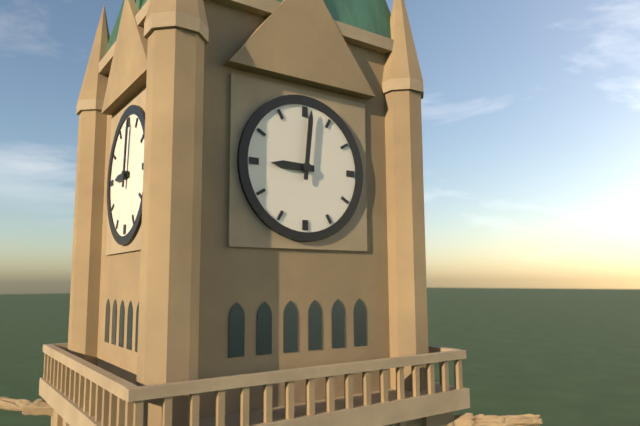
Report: 9:01
